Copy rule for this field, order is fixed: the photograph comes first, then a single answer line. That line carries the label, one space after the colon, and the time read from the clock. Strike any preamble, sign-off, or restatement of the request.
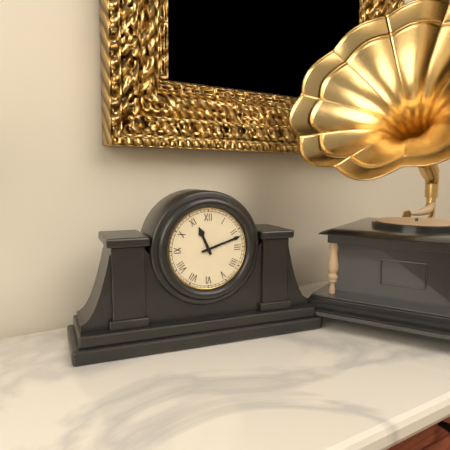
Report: 11:12
